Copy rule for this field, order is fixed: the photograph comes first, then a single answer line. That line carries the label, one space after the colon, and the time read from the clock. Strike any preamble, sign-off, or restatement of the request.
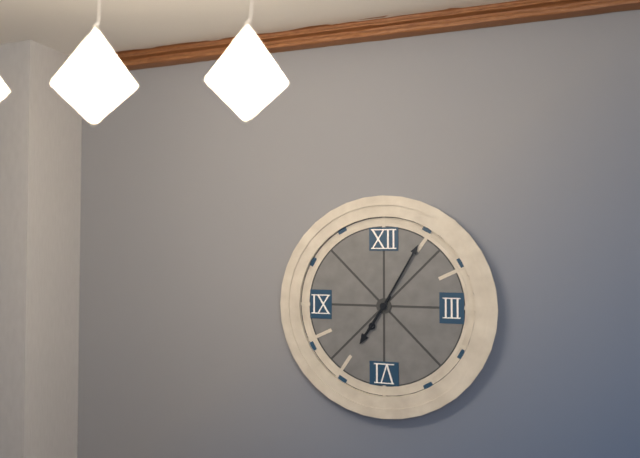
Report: 7:05
